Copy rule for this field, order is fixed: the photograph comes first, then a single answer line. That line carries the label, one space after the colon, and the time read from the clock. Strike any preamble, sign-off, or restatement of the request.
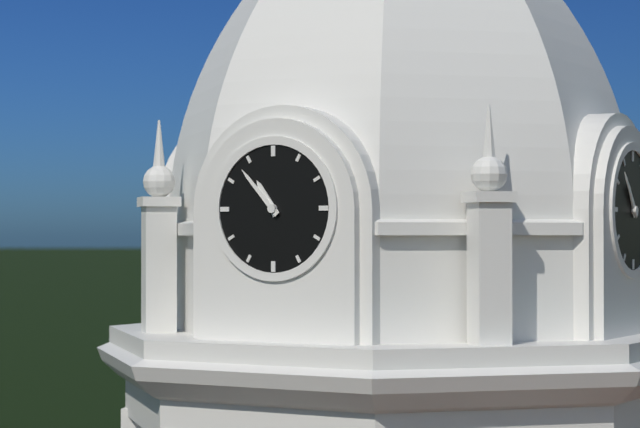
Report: 10:53
